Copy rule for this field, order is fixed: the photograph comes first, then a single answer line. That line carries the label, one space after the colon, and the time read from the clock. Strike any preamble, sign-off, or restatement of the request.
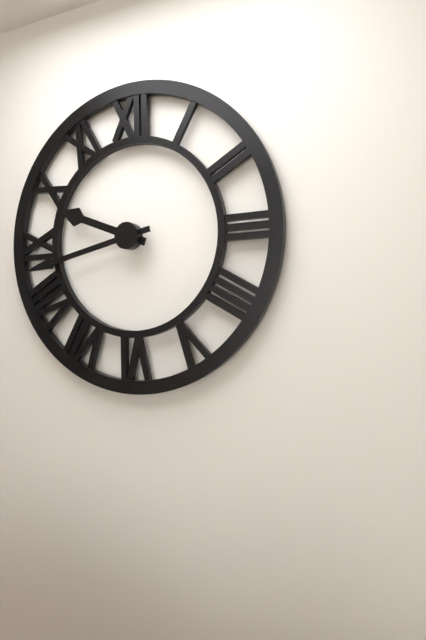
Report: 9:43
